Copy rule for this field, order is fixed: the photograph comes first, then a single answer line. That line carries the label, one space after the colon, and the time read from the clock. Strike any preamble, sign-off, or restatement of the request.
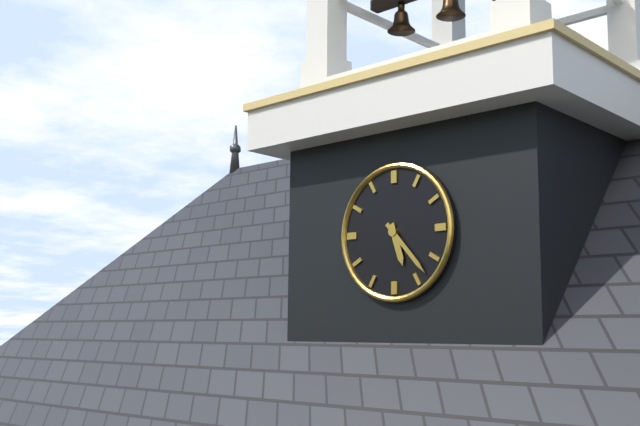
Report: 5:23
